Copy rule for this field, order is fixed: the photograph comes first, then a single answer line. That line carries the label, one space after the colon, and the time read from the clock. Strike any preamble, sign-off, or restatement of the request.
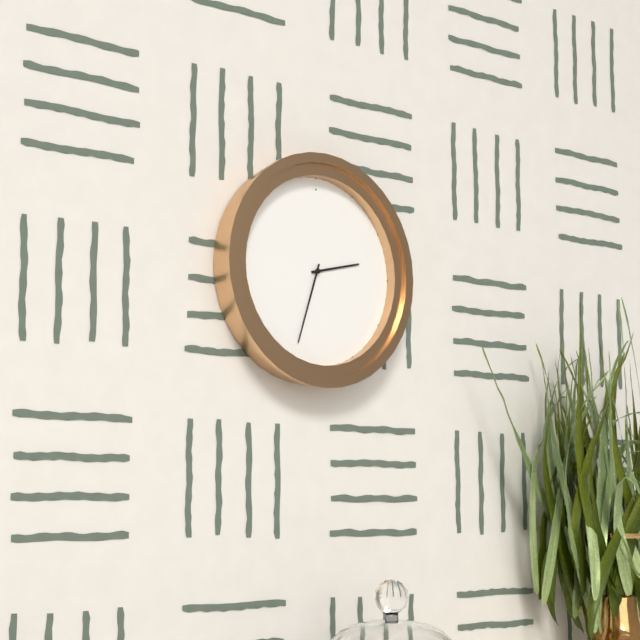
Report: 2:33
